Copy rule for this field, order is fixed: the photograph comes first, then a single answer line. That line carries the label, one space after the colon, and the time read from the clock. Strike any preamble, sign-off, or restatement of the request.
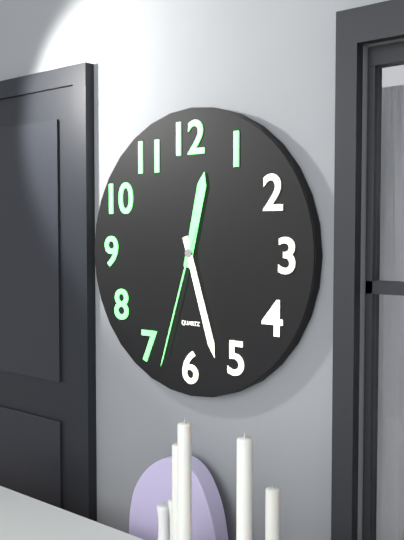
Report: 12:27:33
